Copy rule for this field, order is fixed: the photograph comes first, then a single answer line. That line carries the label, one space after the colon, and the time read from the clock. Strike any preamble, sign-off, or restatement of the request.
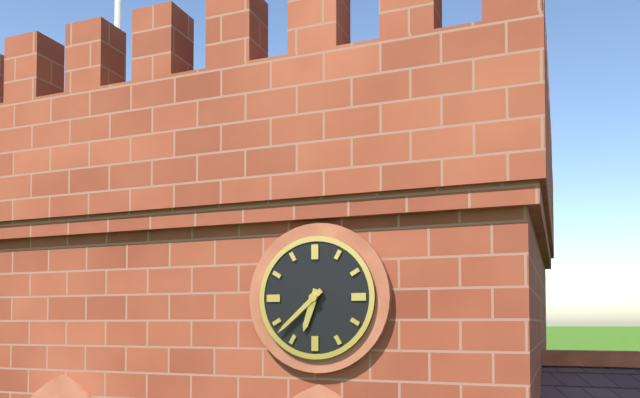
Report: 6:38
